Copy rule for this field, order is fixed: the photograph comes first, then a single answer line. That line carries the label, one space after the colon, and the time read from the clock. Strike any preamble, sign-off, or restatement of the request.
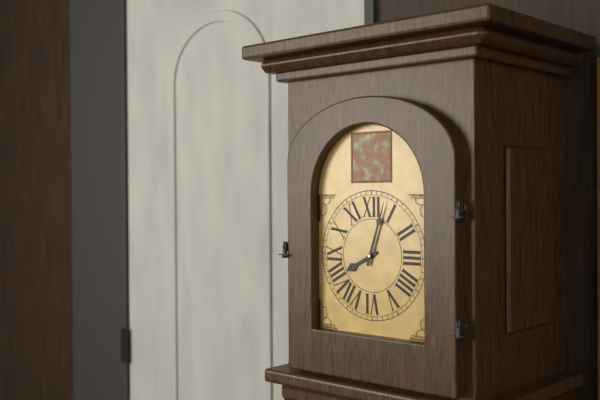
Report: 8:03
